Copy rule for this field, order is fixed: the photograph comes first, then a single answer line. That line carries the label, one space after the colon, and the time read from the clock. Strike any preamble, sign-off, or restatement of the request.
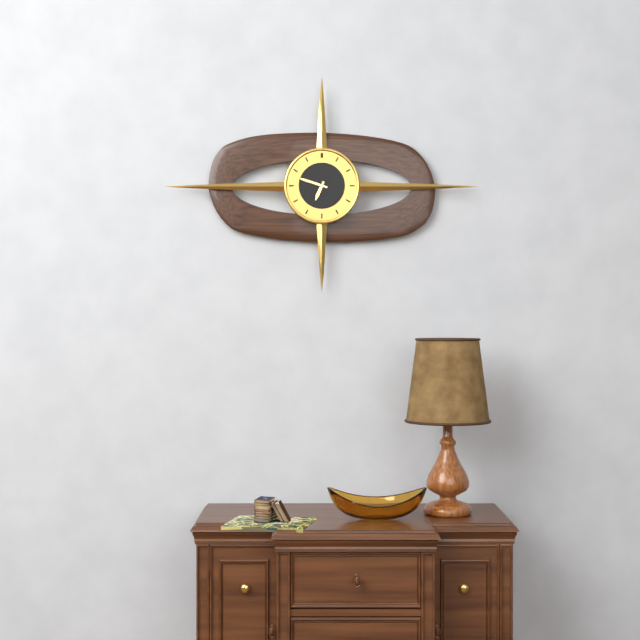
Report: 6:48
